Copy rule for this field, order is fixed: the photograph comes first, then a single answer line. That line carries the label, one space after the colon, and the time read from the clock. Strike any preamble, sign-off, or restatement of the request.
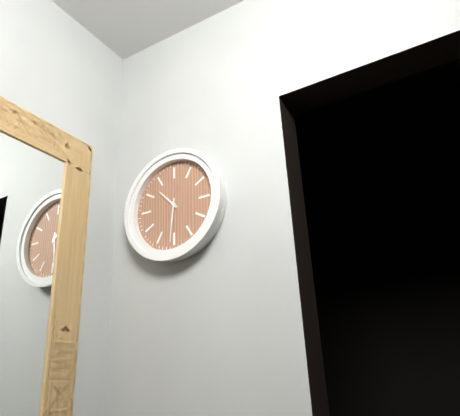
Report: 10:31
